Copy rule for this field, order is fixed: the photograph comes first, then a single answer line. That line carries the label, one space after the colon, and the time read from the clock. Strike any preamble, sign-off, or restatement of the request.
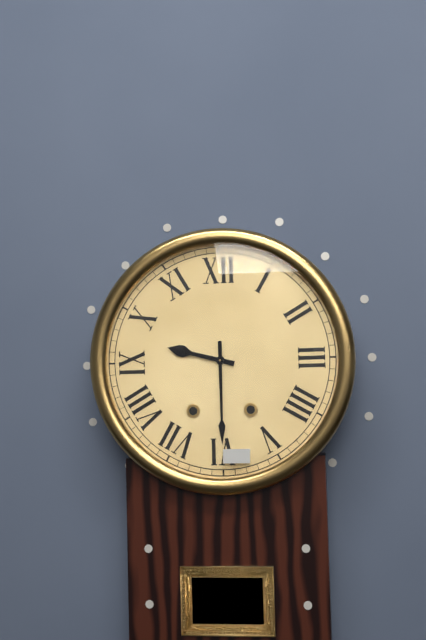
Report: 9:30
